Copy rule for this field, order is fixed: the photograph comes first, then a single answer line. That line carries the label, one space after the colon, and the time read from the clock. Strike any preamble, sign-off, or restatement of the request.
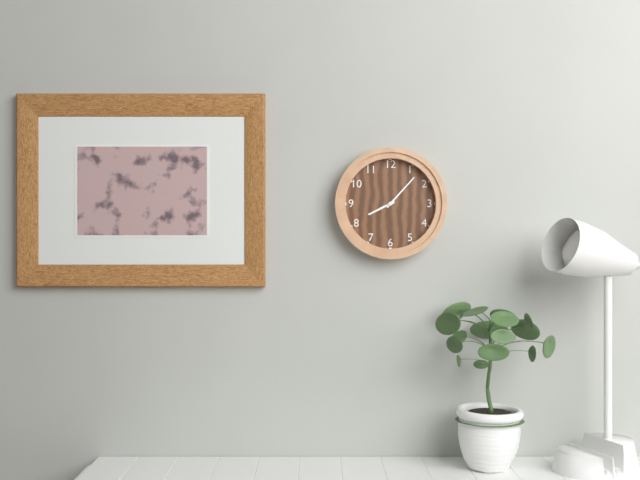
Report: 8:07
